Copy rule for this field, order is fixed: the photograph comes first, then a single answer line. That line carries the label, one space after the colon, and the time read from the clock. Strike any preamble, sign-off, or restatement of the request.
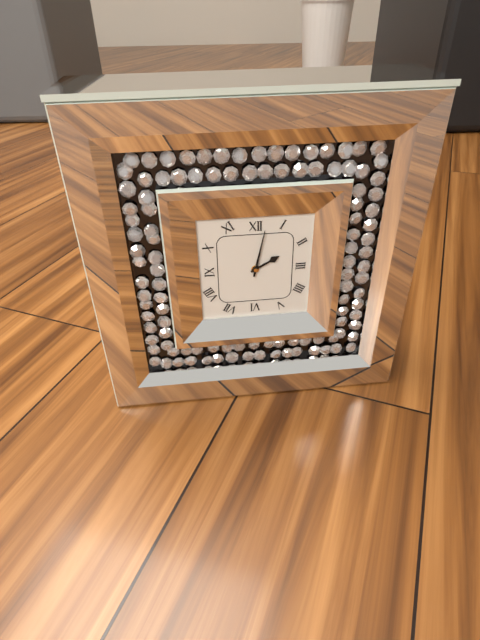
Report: 2:02
